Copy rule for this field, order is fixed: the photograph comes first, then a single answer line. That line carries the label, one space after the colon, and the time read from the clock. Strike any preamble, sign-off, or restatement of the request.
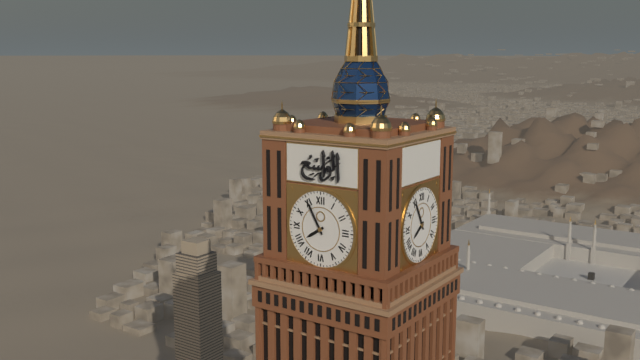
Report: 7:55
